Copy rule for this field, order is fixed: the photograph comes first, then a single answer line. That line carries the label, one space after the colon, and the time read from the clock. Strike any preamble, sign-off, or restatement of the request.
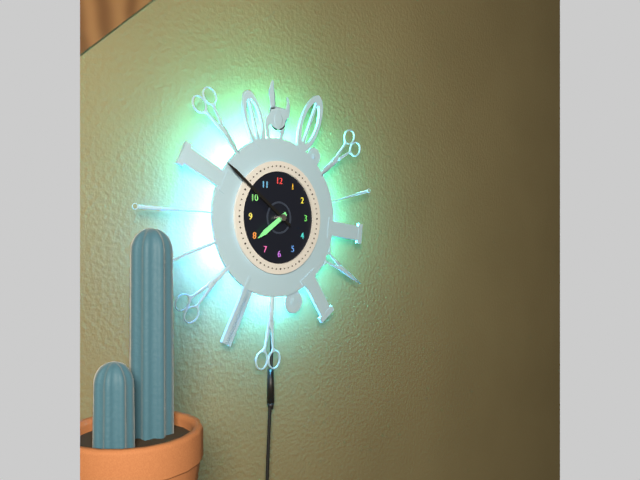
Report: 7:51
